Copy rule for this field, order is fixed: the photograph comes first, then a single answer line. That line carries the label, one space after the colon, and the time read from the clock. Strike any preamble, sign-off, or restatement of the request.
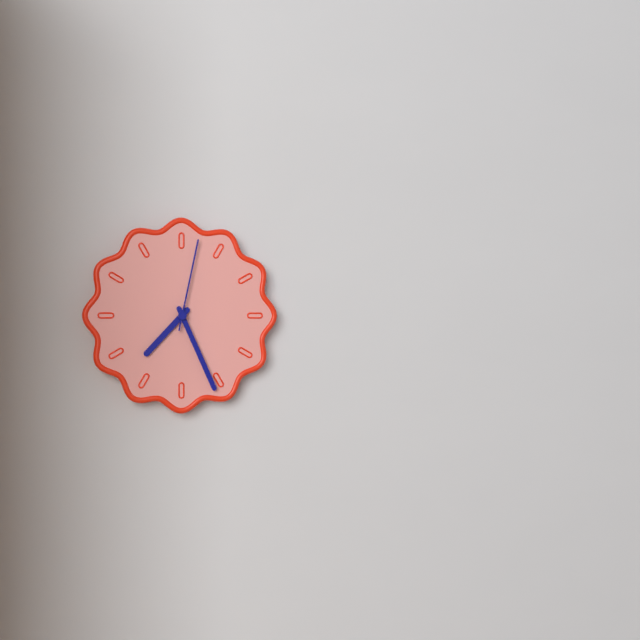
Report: 7:26:02
